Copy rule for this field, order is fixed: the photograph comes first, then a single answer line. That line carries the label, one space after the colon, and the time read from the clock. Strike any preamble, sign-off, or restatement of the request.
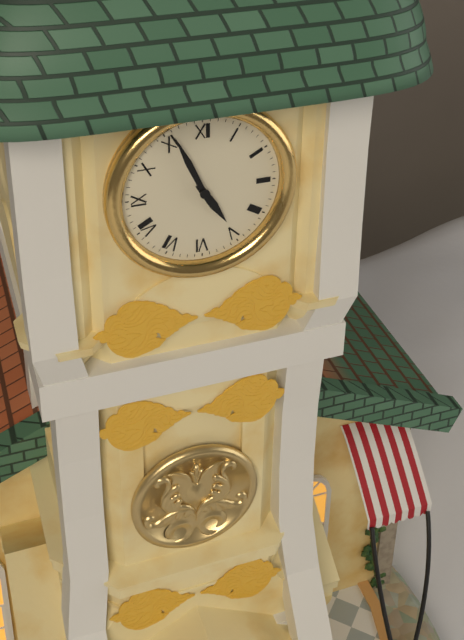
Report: 4:56
